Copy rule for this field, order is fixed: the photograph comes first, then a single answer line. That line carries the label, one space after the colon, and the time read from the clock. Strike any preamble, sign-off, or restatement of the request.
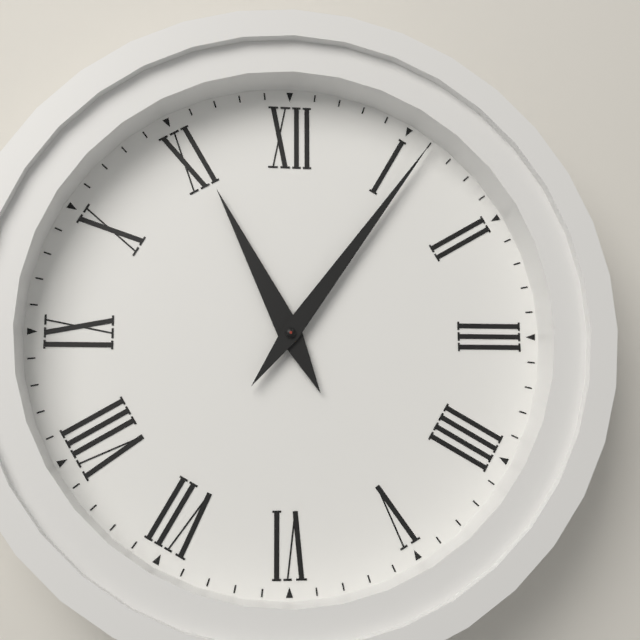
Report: 11:06
